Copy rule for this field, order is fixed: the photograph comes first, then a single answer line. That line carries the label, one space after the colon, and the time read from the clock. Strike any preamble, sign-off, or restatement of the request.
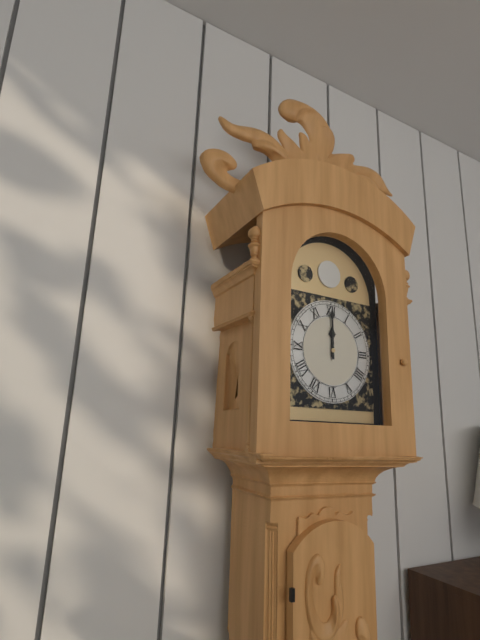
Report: 12:00
